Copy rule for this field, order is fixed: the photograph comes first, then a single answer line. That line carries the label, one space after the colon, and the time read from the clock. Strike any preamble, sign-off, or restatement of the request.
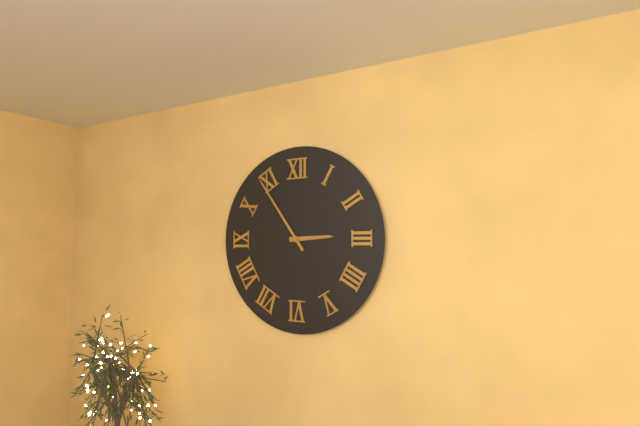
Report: 2:54
